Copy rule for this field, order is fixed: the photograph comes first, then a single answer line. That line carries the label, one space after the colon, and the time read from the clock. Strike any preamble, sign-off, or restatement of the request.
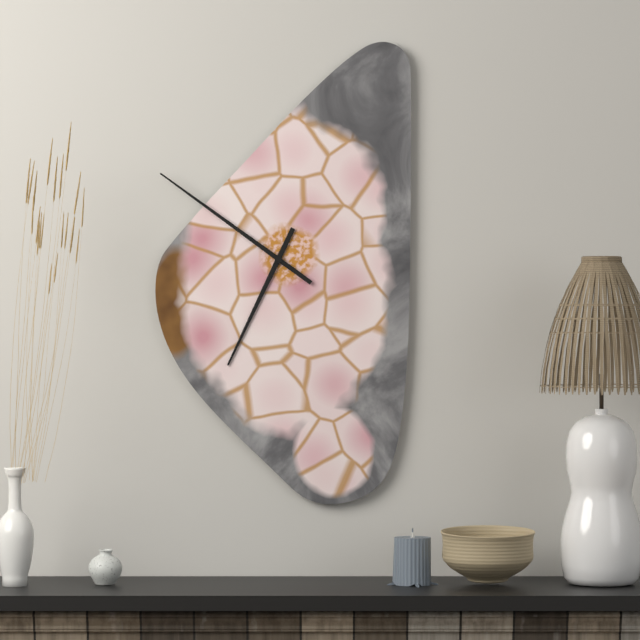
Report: 6:51
